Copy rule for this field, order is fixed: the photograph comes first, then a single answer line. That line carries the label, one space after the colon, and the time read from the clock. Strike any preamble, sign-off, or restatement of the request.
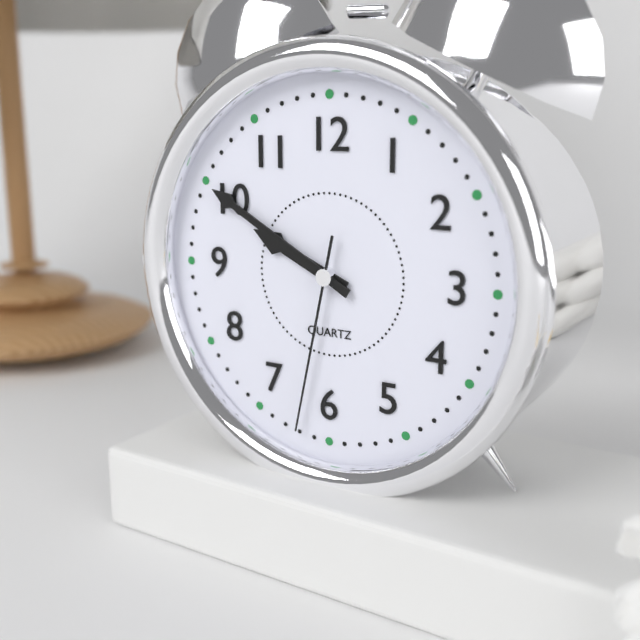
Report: 9:50:32
